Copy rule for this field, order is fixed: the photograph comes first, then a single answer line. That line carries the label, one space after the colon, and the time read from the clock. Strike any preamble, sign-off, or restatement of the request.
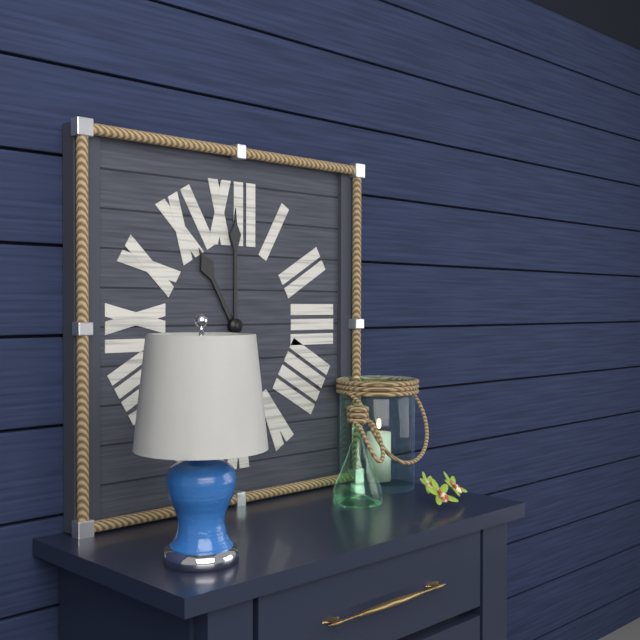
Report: 11:00
